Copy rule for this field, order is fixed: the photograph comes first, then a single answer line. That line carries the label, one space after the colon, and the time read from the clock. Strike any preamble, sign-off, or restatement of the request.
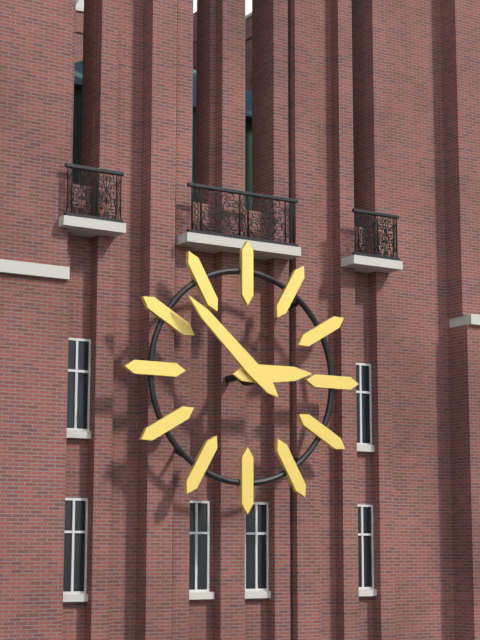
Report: 2:52
